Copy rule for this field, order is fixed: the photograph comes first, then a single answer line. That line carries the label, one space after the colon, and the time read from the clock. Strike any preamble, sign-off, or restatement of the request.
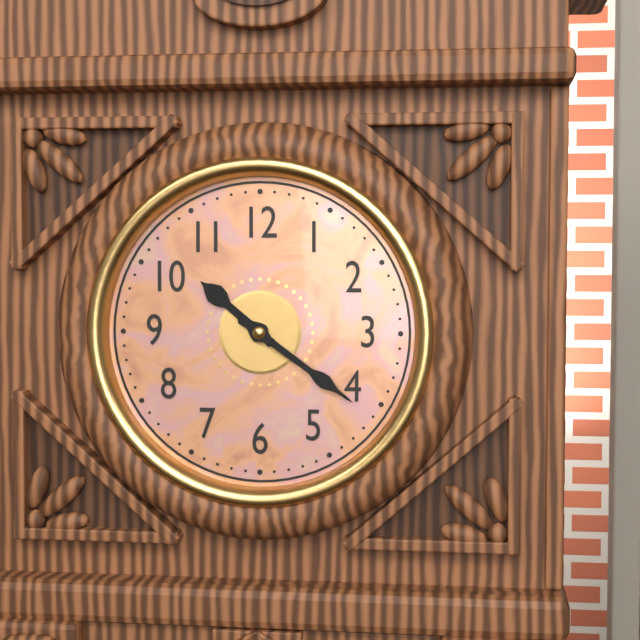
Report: 10:21
